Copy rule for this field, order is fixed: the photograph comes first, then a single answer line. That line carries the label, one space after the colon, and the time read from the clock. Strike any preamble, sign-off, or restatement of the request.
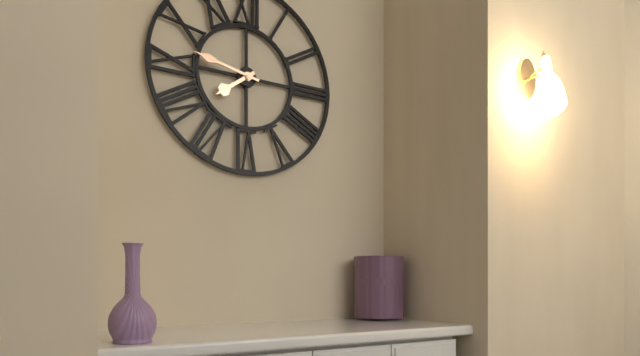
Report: 7:47
